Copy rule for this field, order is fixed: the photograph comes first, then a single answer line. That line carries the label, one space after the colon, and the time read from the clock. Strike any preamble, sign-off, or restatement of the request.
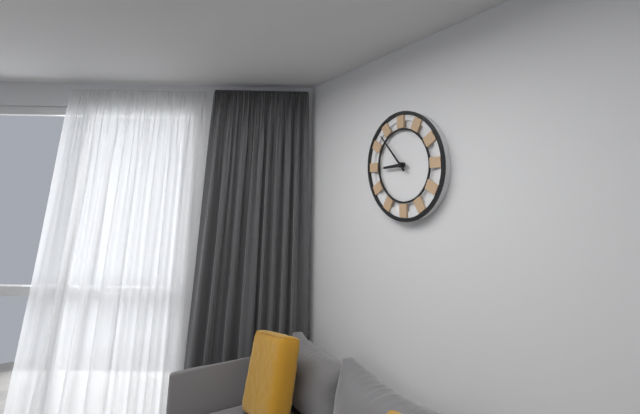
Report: 8:53
